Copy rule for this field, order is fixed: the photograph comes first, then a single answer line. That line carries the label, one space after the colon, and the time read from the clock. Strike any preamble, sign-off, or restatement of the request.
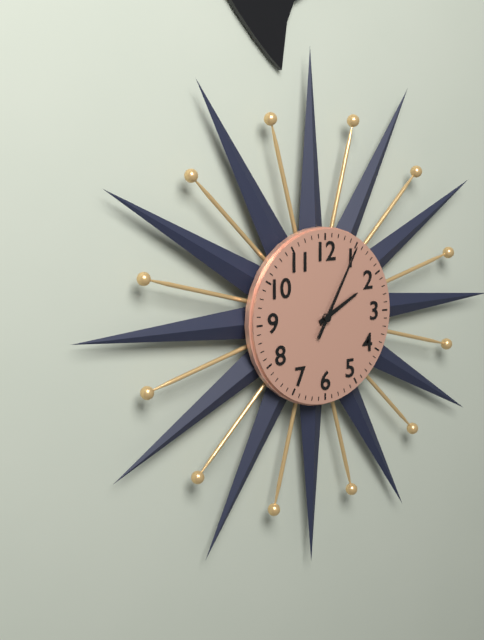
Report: 2:05
